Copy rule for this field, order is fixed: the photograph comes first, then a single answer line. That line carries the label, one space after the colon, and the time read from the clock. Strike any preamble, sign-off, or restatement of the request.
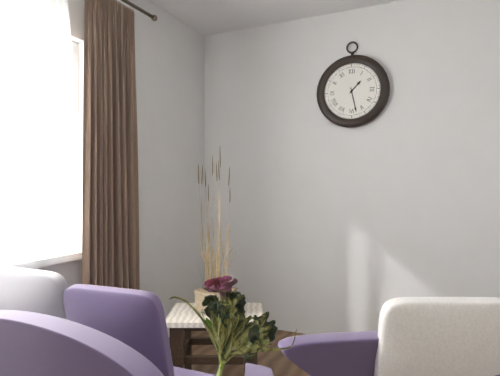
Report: 1:28
